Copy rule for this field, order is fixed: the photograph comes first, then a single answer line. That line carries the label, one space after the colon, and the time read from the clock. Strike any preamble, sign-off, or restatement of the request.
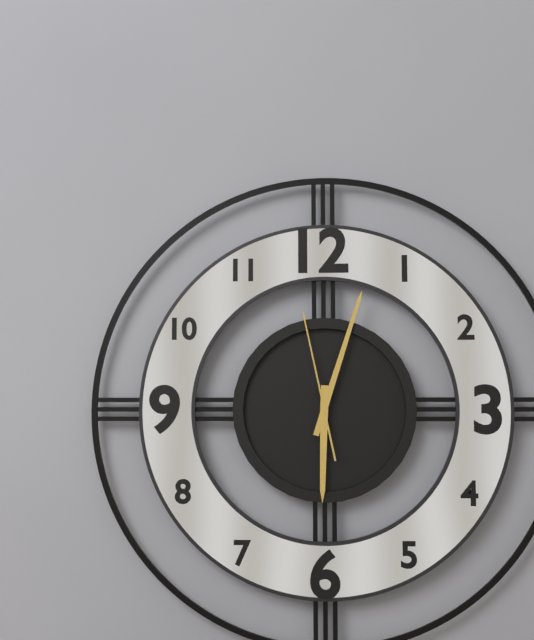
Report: 6:03:58
